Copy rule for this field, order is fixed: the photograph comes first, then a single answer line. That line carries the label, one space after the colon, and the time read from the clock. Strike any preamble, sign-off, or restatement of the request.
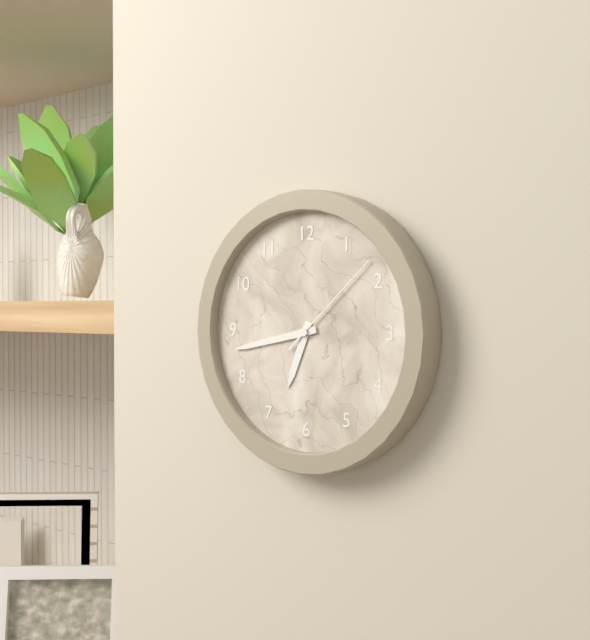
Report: 6:43:08
